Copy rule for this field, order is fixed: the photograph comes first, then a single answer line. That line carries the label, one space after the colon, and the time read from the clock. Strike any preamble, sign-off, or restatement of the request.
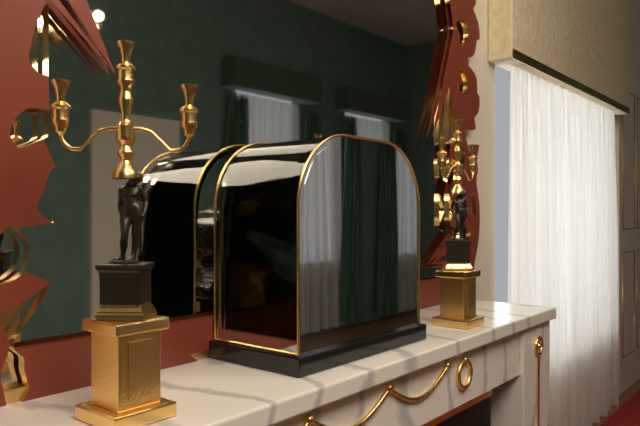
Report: 5:58
